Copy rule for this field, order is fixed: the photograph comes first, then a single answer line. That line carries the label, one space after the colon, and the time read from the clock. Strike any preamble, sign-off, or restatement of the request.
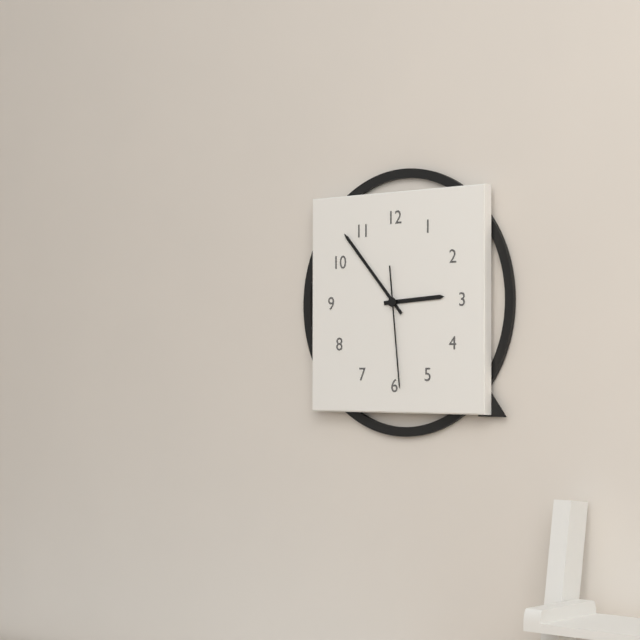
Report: 2:53:29
